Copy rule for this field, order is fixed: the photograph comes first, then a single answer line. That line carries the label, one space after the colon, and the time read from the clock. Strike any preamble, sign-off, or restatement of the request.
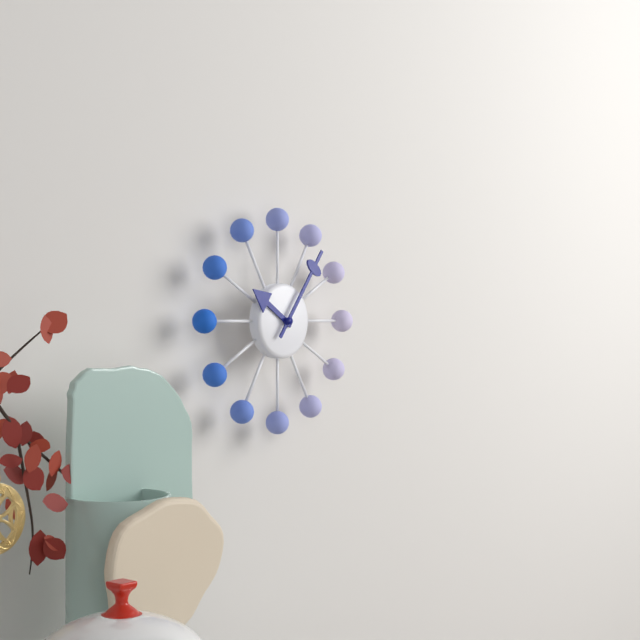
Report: 10:06
